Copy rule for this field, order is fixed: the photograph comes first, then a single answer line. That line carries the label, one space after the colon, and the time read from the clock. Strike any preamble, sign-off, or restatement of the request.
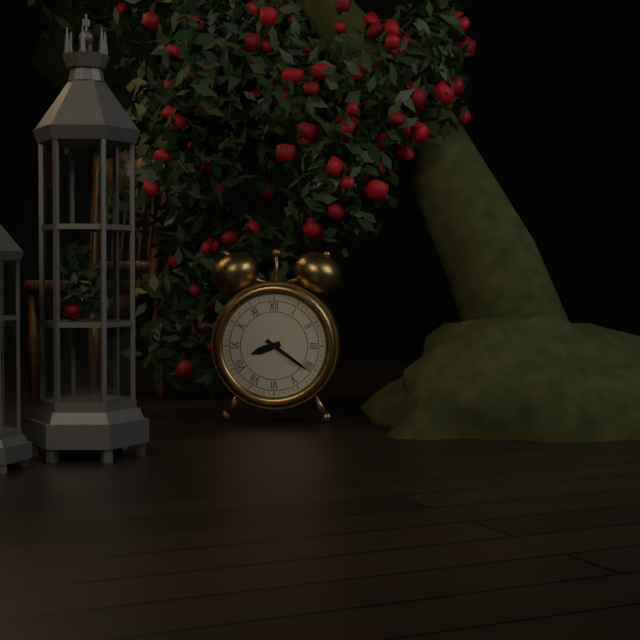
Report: 8:21
